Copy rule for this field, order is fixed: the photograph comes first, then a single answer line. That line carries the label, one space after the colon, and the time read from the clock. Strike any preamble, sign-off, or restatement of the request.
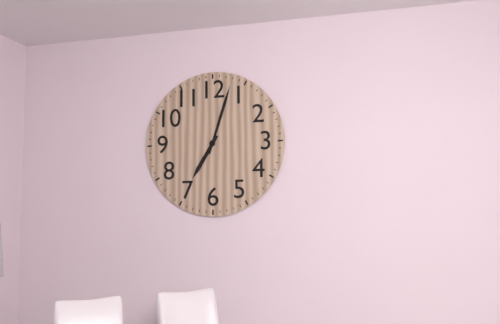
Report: 7:03
